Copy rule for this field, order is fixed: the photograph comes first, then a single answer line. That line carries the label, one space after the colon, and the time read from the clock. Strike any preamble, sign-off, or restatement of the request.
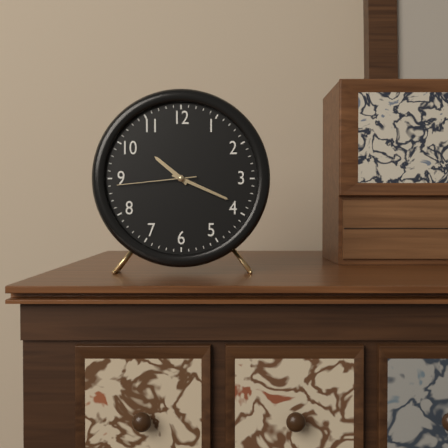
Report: 10:19:44
